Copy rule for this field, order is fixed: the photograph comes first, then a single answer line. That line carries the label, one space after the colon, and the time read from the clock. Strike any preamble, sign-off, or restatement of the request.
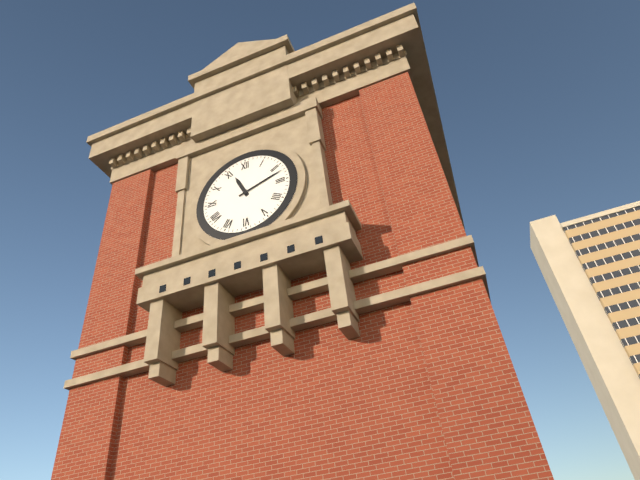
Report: 11:12
